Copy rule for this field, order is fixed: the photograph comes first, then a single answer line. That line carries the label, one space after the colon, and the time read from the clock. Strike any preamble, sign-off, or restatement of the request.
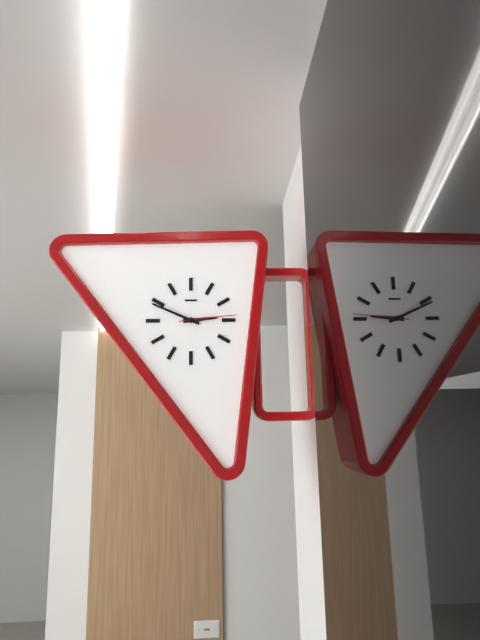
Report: 2:49:14
